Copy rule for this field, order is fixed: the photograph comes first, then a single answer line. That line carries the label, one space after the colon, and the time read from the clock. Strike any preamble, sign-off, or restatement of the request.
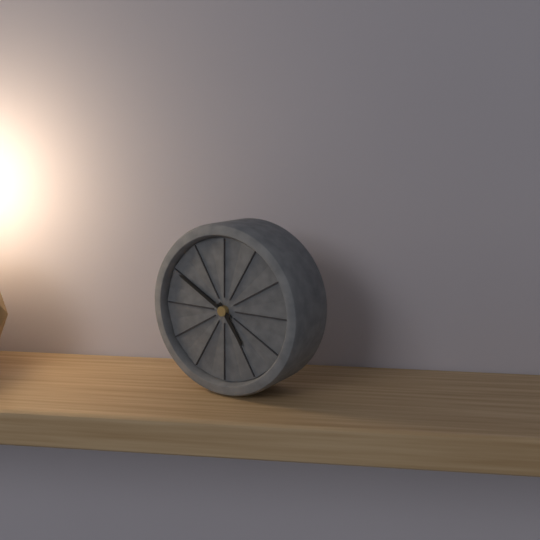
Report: 4:50
